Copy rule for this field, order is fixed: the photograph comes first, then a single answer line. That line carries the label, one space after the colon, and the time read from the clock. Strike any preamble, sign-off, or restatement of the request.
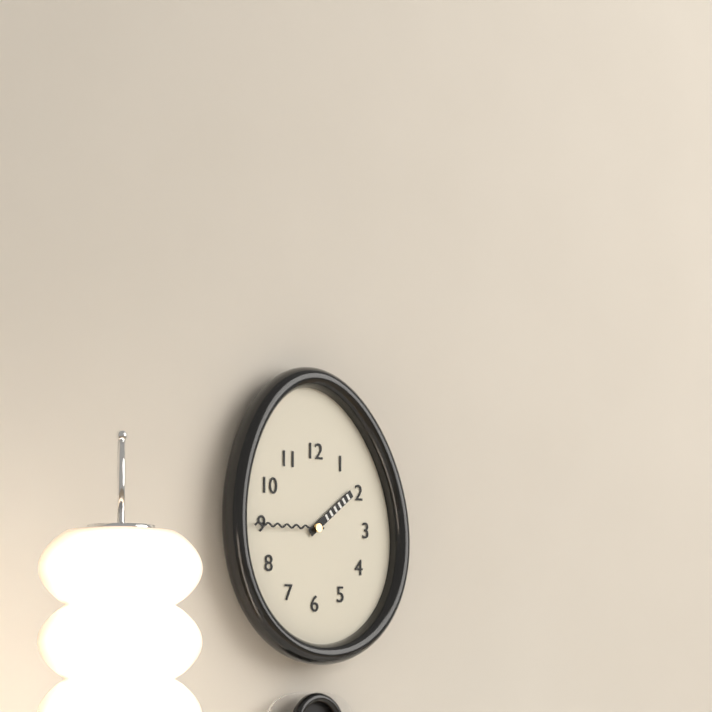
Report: 1:45
